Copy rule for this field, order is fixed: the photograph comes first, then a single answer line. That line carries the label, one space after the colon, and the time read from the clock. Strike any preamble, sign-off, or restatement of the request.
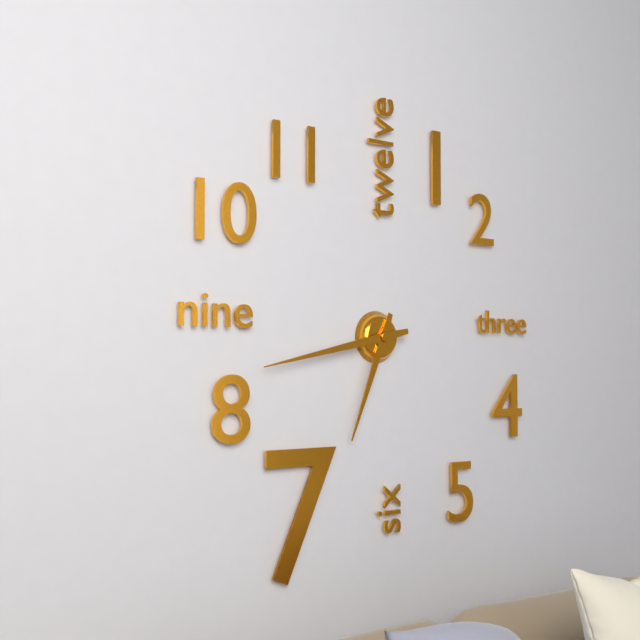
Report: 6:43
